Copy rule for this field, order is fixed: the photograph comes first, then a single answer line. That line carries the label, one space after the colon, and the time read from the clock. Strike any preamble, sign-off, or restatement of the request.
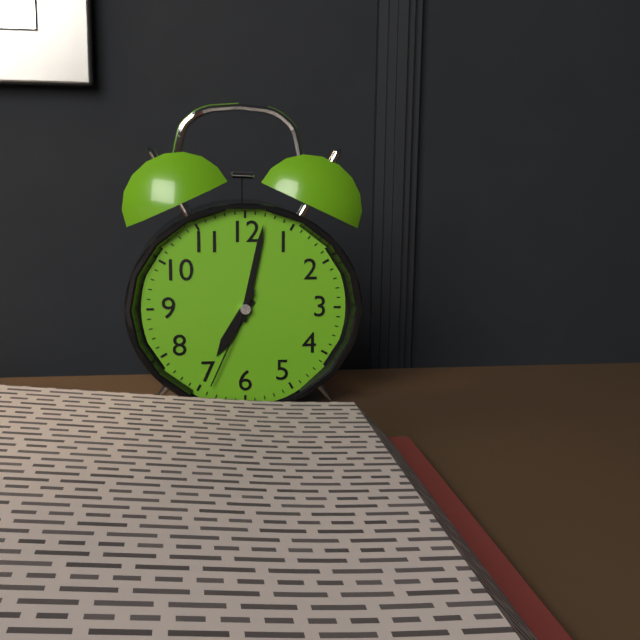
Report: 7:02:34
